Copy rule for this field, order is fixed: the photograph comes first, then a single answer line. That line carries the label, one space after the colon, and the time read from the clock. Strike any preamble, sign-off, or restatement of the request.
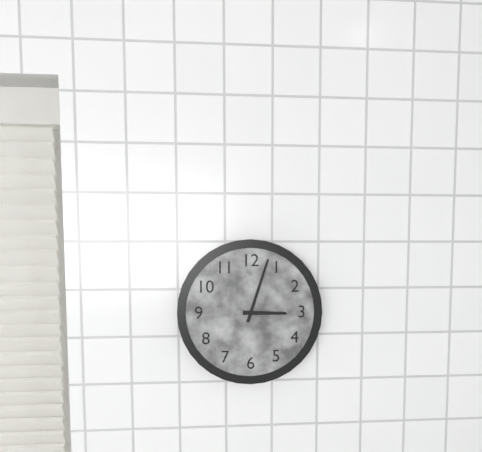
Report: 3:03
